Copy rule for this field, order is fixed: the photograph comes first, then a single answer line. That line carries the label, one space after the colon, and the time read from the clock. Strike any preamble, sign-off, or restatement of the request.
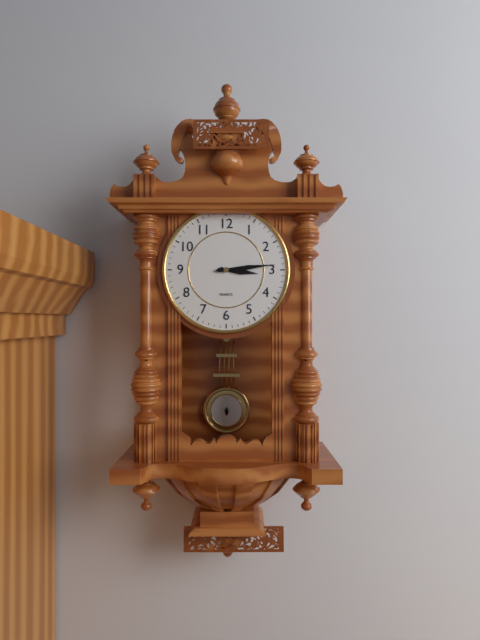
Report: 3:14
